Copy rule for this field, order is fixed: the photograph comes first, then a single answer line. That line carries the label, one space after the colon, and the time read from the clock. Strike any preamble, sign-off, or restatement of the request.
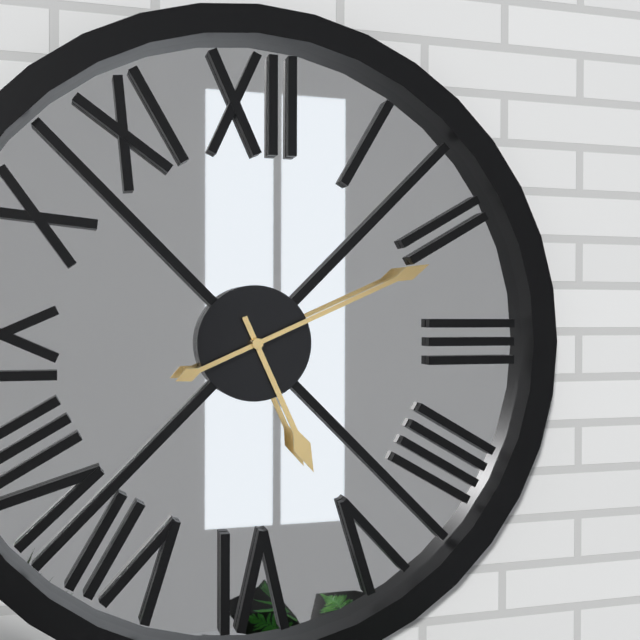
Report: 5:11
